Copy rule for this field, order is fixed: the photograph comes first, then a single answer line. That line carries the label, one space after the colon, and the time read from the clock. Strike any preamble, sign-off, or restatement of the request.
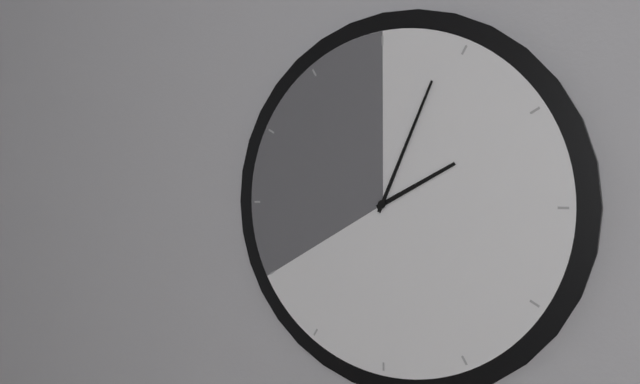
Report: 2:04
